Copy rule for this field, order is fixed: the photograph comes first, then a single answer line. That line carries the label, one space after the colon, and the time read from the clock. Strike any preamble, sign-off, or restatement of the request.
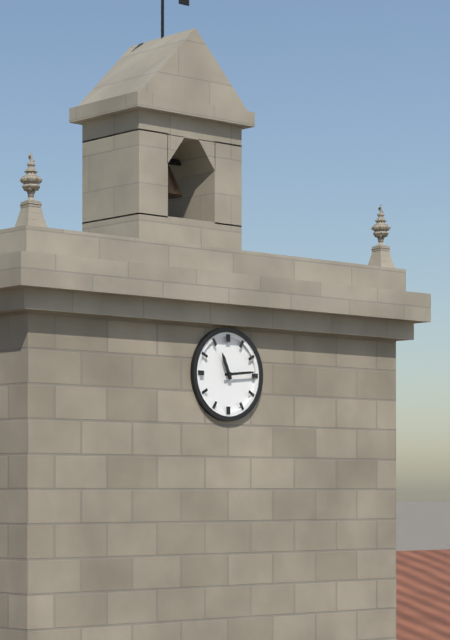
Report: 11:14
